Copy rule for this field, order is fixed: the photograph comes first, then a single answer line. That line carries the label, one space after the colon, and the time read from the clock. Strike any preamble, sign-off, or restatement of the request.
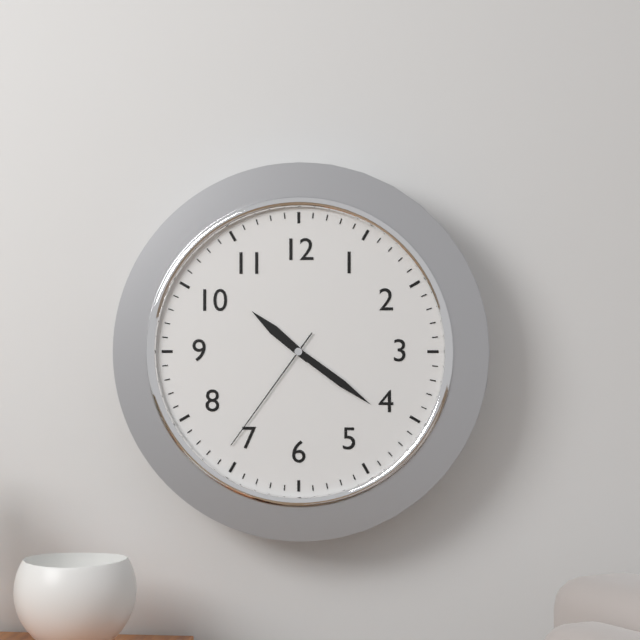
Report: 10:21:36
